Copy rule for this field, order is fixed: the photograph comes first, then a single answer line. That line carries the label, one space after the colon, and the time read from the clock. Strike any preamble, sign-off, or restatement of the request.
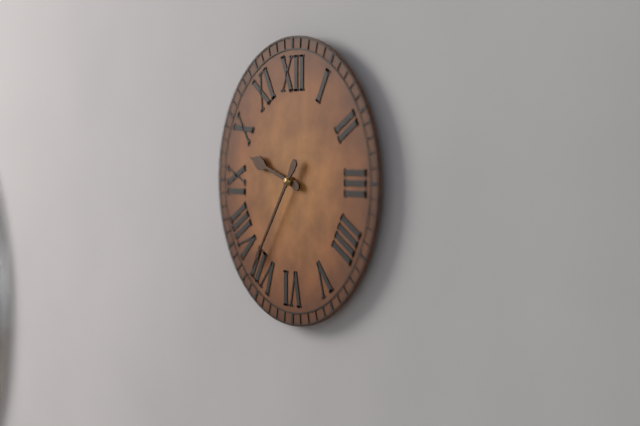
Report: 9:36
